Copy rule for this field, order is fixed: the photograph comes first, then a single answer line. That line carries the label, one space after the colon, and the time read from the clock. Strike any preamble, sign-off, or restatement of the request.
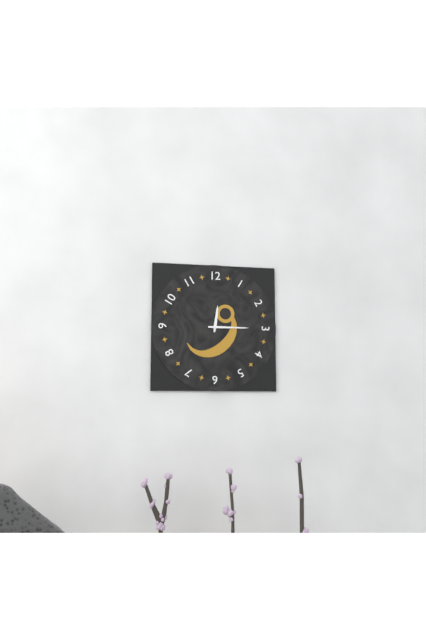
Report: 12:15
